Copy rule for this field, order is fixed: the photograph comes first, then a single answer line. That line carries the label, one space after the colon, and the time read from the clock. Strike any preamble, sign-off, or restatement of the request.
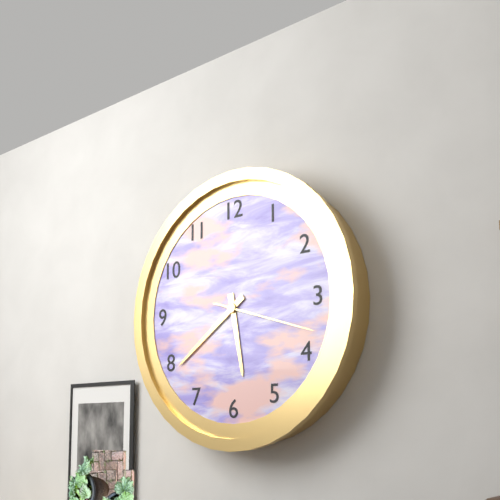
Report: 5:39:18
